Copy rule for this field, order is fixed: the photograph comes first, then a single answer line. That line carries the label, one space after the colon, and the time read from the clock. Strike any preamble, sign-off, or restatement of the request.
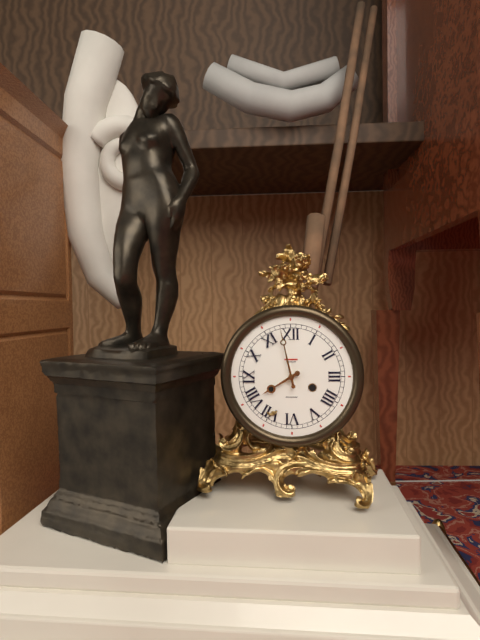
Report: 7:58
